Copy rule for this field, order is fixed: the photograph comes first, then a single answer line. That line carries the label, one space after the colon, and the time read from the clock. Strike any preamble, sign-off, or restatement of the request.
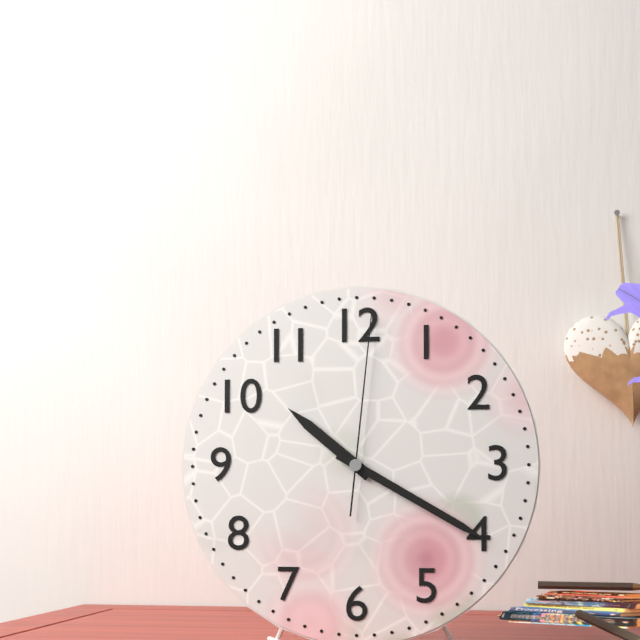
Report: 10:20:01
